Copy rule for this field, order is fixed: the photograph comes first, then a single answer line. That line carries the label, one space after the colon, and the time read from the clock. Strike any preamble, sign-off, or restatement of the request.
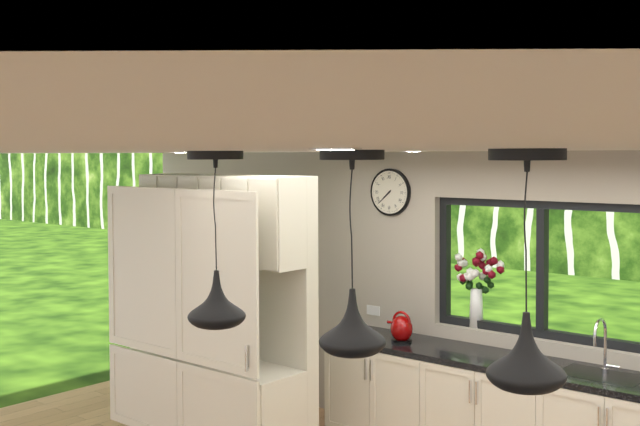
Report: 7:38
